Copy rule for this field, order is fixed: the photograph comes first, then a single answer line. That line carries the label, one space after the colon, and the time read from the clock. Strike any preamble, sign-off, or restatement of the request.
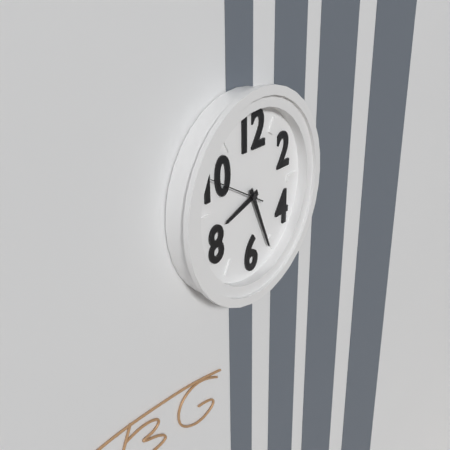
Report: 8:26:50
